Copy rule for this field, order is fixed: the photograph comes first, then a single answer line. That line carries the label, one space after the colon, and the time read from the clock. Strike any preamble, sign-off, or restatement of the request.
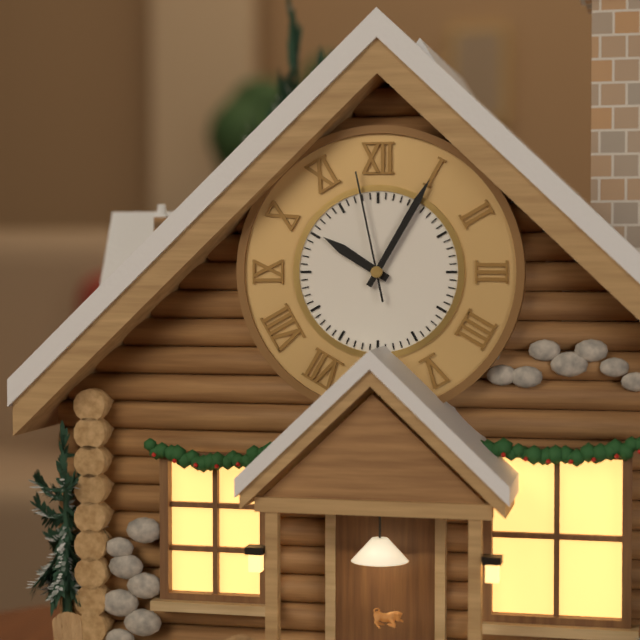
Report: 10:05:58
